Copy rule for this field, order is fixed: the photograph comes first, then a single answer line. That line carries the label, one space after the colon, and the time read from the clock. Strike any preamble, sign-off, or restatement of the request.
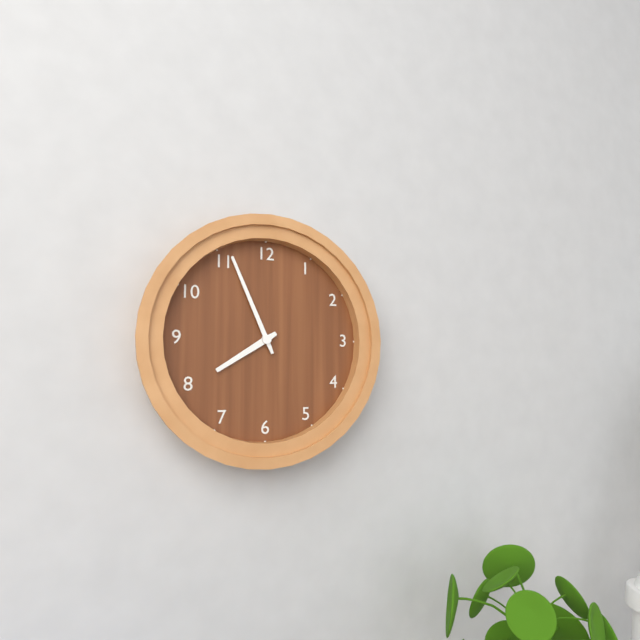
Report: 7:56
